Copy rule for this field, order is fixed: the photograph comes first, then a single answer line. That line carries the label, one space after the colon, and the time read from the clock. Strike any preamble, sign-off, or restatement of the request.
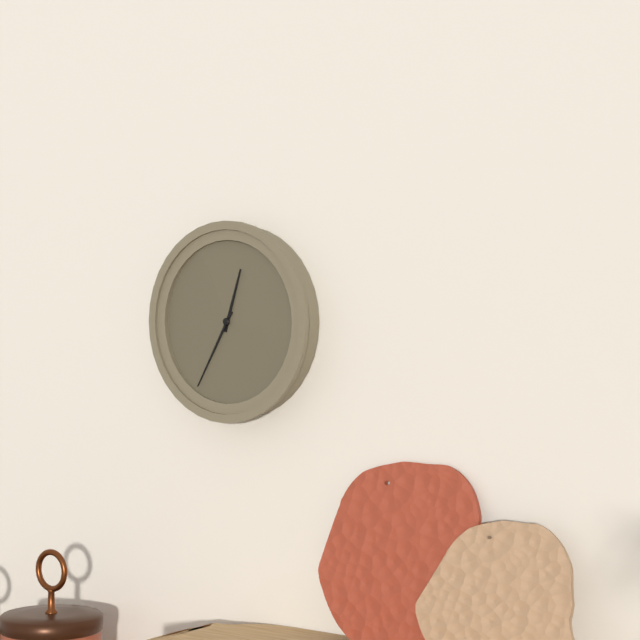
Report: 12:35
